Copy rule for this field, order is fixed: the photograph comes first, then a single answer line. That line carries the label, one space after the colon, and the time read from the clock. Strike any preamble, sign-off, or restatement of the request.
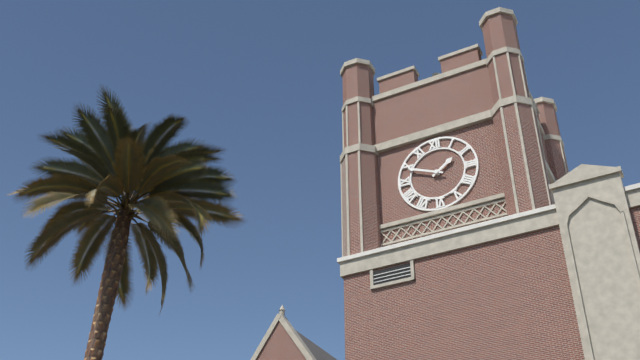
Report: 1:49
